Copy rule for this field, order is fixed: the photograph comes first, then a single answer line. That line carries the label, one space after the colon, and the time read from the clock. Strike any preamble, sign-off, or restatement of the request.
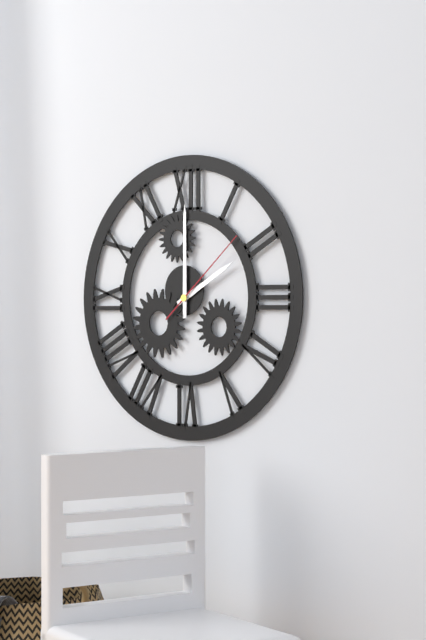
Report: 2:00:08
